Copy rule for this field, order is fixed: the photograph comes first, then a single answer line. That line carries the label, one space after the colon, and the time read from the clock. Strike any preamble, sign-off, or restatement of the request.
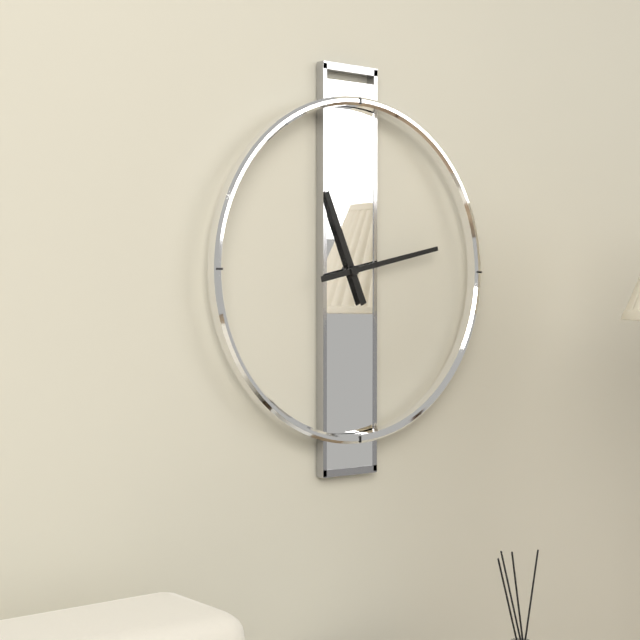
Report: 11:13
